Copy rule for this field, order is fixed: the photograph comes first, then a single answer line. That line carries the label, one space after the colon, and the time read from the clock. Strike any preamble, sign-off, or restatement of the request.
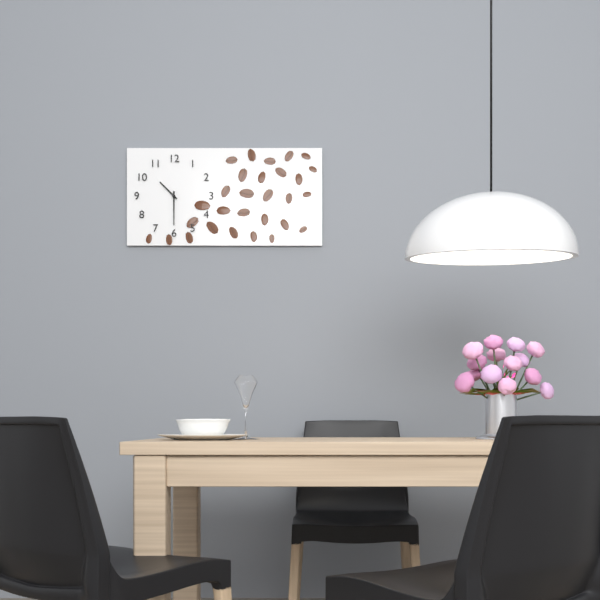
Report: 10:30
